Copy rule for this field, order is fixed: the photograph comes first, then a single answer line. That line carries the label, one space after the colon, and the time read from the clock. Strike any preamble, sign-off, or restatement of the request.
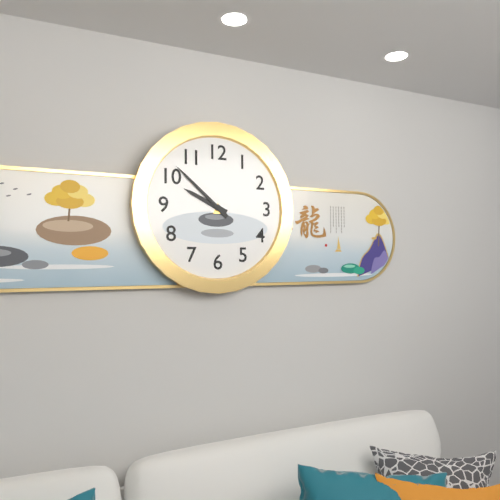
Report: 9:52
